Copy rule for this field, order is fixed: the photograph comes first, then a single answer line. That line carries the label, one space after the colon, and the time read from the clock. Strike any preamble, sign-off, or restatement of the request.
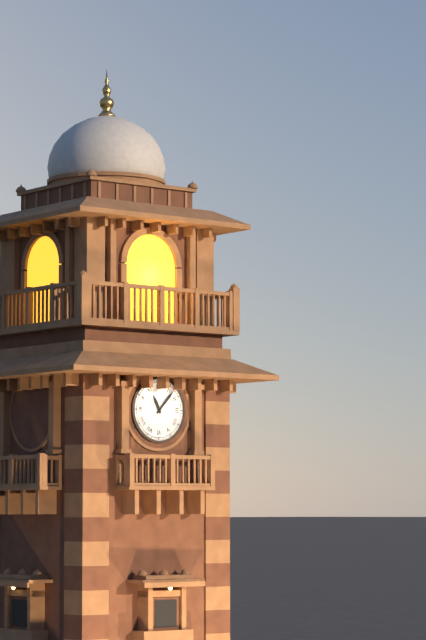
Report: 11:07
